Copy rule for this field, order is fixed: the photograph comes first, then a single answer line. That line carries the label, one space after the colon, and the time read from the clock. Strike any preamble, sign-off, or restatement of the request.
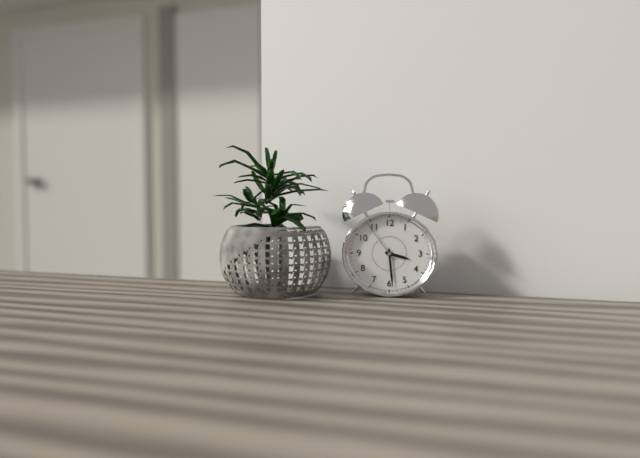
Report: 3:29
